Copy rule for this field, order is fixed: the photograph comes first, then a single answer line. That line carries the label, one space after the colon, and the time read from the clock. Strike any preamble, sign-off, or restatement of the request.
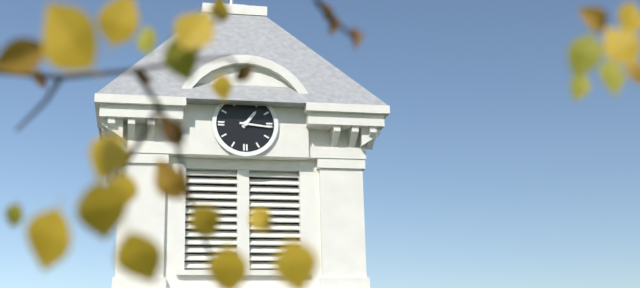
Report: 1:16
